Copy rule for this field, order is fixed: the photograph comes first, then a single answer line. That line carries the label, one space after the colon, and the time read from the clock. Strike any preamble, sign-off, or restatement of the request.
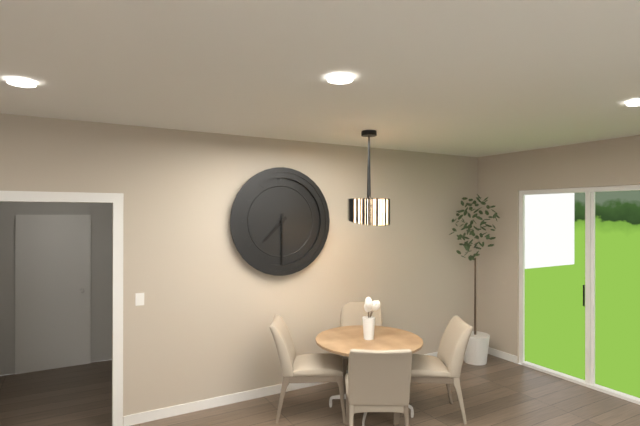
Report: 7:30
